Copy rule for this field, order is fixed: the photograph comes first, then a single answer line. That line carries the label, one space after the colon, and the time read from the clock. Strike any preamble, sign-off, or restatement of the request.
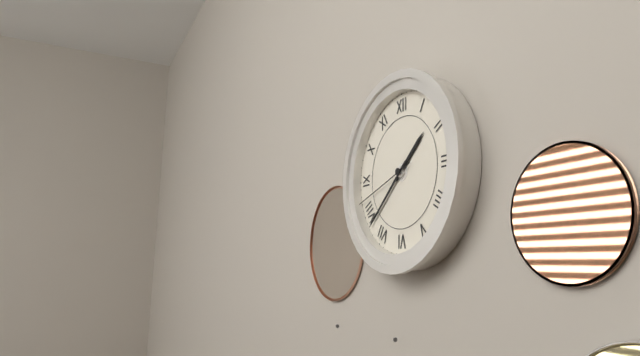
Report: 1:38:42
